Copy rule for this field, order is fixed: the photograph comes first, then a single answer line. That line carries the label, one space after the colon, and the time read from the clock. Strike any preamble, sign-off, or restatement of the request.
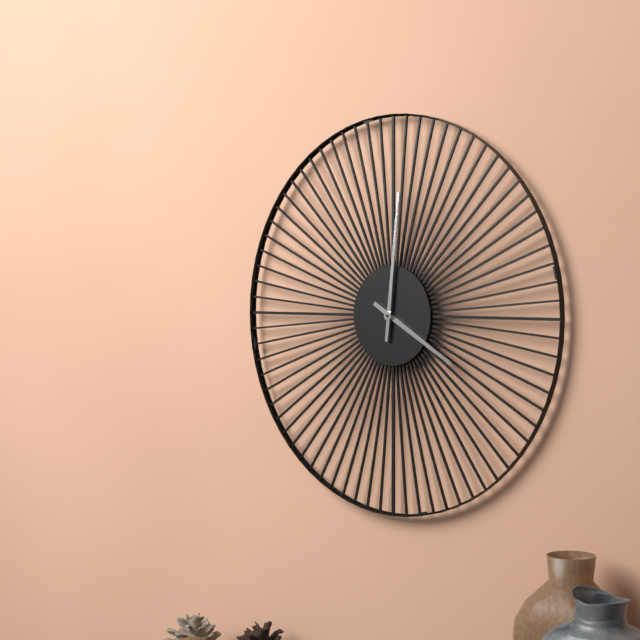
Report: 4:01
